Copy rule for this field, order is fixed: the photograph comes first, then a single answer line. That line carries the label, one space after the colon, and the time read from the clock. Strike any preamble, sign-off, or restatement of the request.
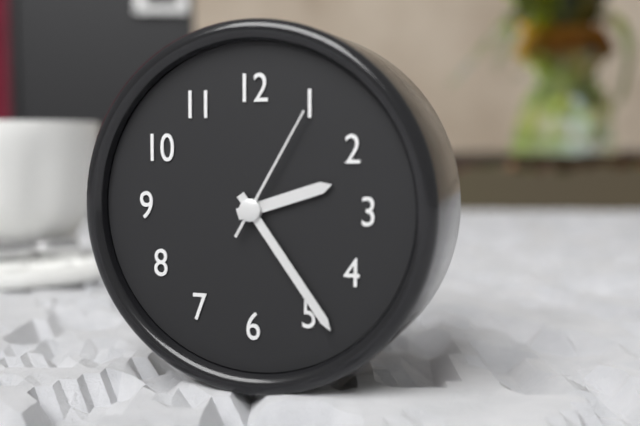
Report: 2:24:05
